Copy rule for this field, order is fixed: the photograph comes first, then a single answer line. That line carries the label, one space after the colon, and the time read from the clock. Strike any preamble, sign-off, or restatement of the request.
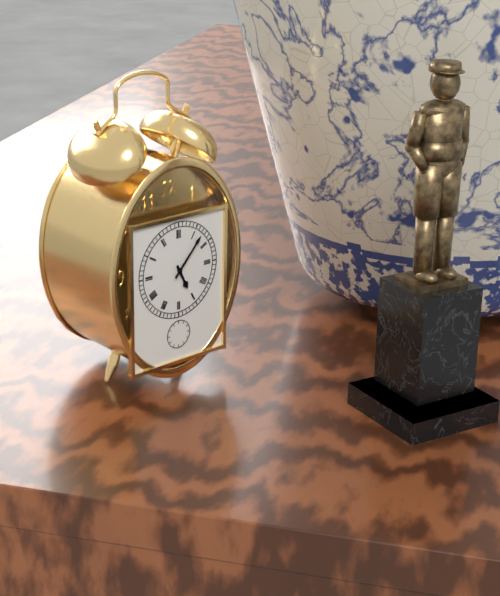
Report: 5:07
